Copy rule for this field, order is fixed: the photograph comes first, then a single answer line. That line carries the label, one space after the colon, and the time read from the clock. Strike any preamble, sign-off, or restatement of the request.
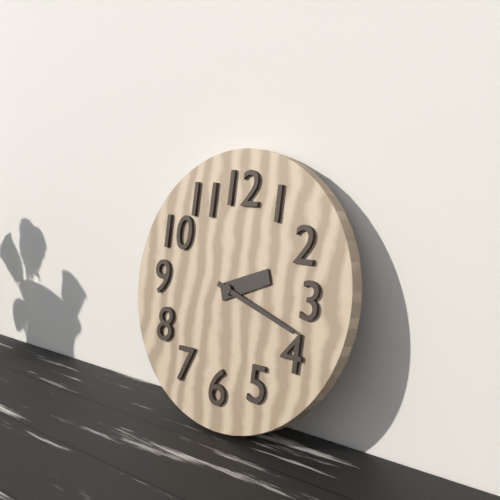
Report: 2:18
